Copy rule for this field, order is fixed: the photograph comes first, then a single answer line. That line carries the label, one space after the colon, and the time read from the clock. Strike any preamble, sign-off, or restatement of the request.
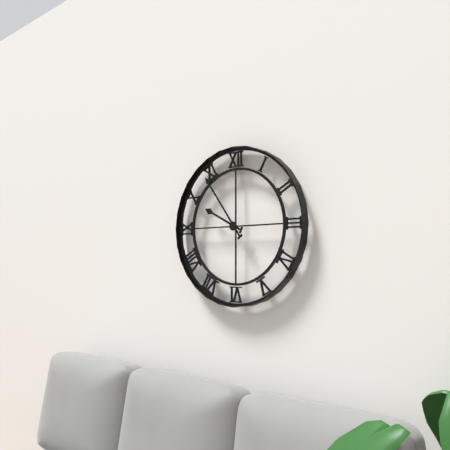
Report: 9:54
